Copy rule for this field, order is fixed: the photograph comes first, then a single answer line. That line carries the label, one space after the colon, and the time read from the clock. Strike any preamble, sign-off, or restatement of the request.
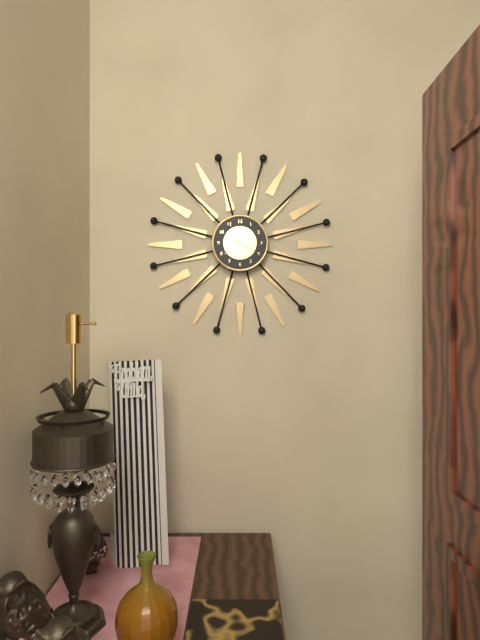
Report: 9:39
